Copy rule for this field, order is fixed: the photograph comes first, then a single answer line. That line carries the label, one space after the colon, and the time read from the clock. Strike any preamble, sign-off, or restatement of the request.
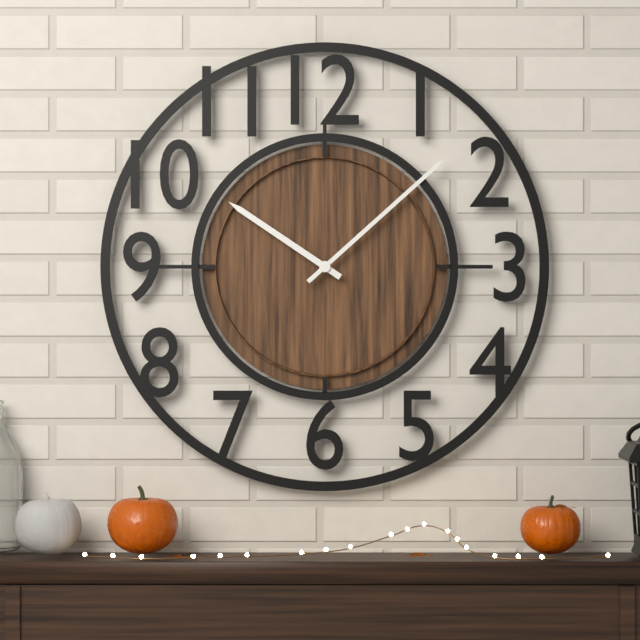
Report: 10:08
